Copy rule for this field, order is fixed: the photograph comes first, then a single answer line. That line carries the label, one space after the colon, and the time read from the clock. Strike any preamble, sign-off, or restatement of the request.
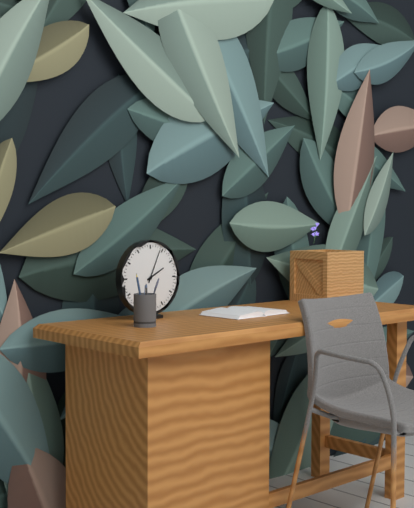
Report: 2:04
